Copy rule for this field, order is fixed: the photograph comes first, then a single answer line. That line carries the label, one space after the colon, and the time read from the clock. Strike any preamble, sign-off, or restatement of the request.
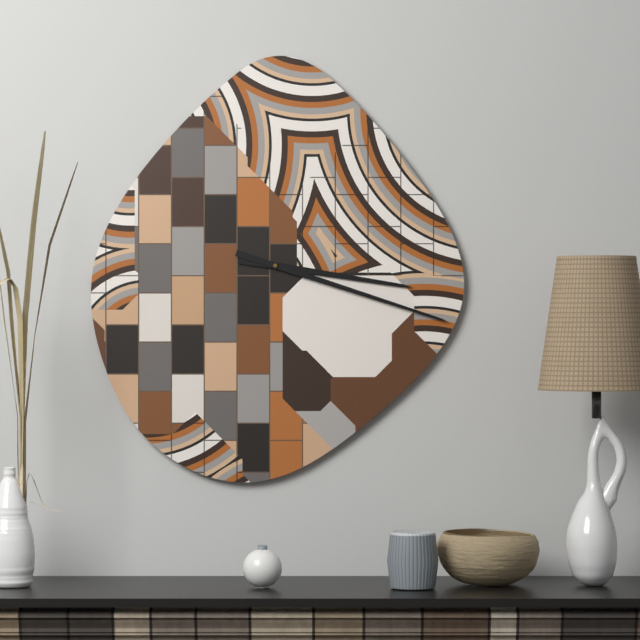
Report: 3:18
